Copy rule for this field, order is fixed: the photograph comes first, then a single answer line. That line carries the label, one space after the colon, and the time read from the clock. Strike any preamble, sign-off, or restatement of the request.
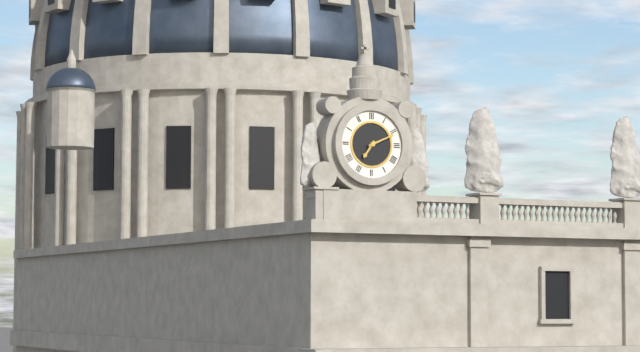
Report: 7:11
